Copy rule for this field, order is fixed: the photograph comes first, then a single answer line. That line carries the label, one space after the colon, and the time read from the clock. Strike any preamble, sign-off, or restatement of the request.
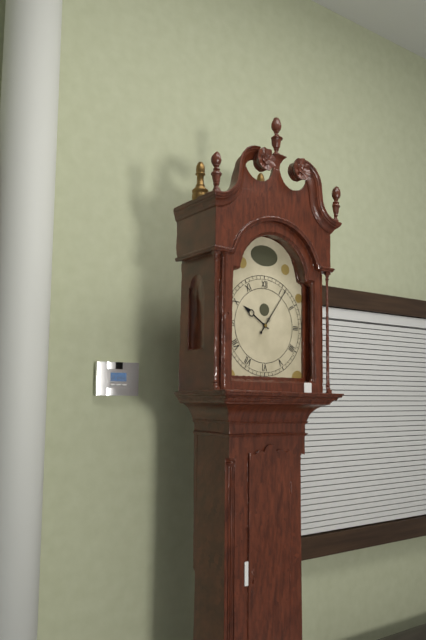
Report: 10:06
